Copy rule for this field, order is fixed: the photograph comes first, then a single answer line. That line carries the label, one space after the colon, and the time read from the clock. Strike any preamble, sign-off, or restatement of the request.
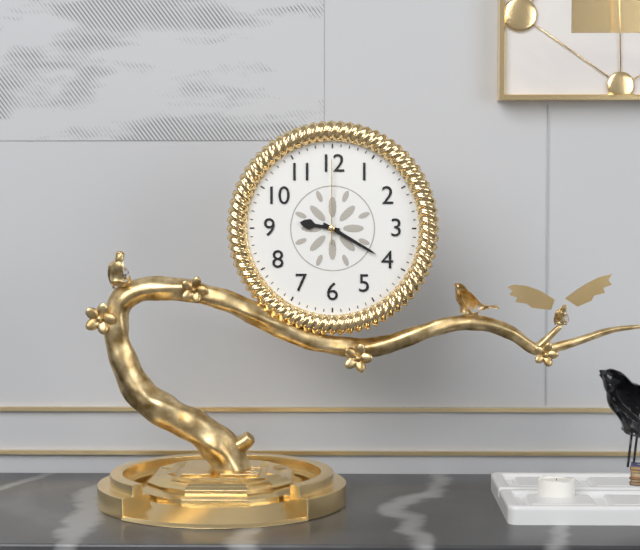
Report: 9:20:00
